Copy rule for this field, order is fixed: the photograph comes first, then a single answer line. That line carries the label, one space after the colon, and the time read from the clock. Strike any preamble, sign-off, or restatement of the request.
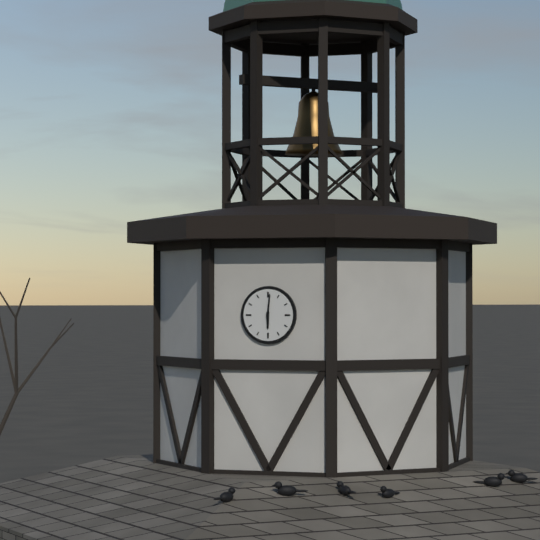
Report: 6:01
